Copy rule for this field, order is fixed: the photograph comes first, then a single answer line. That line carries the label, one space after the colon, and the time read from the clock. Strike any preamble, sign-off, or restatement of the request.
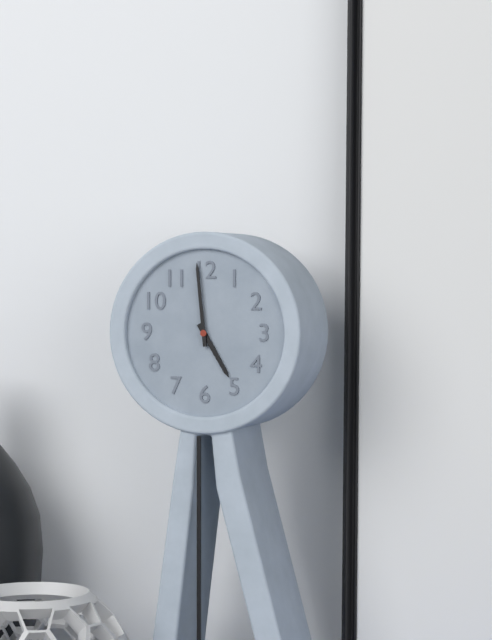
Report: 4:59
